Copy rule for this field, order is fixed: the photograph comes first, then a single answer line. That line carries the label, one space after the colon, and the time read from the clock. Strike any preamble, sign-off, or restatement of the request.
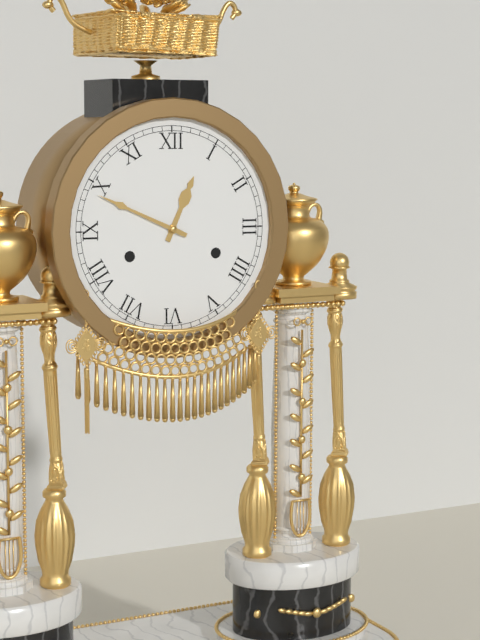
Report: 12:49
